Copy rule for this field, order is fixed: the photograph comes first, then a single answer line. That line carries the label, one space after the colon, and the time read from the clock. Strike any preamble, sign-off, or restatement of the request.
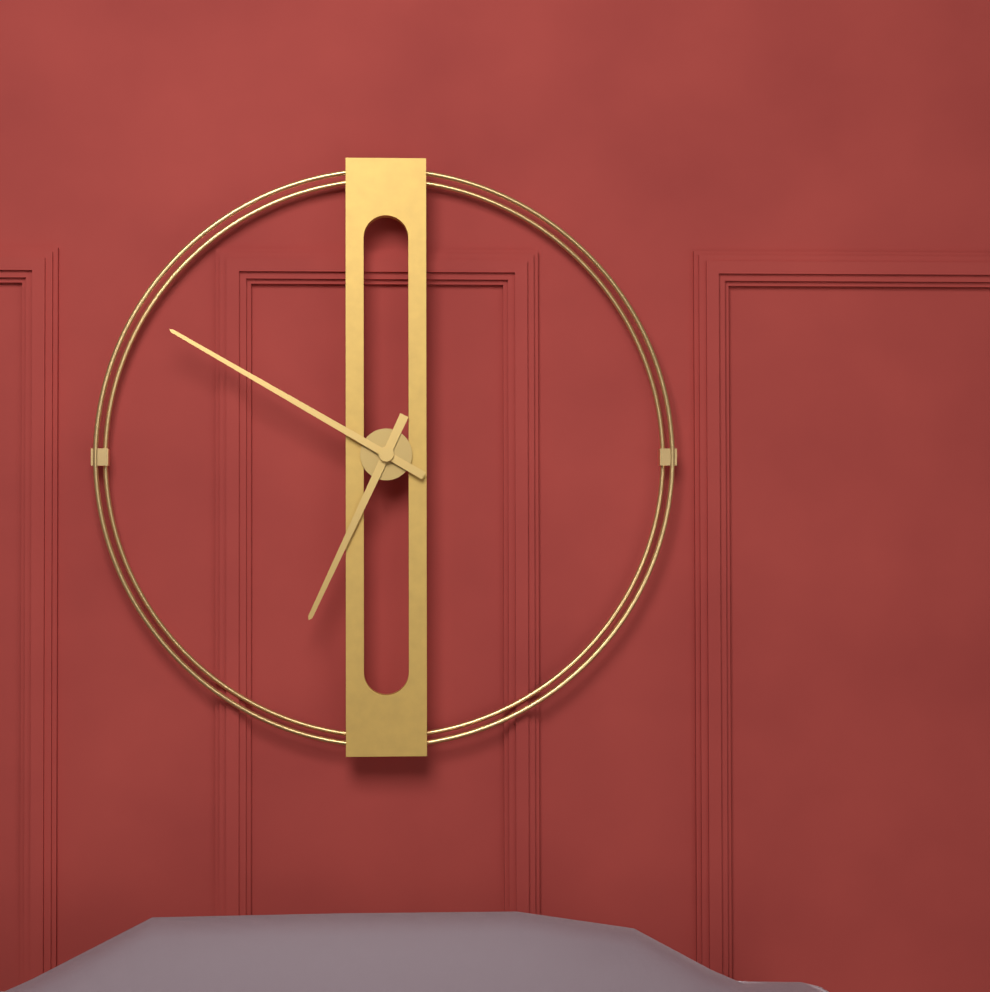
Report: 6:50
